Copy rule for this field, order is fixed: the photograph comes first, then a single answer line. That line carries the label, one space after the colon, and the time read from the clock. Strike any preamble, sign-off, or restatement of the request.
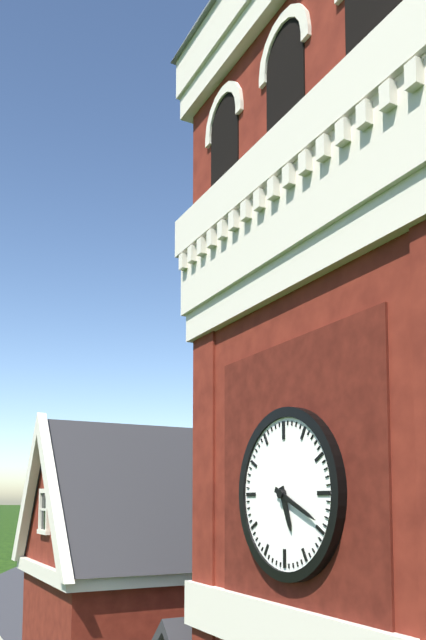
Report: 5:19
